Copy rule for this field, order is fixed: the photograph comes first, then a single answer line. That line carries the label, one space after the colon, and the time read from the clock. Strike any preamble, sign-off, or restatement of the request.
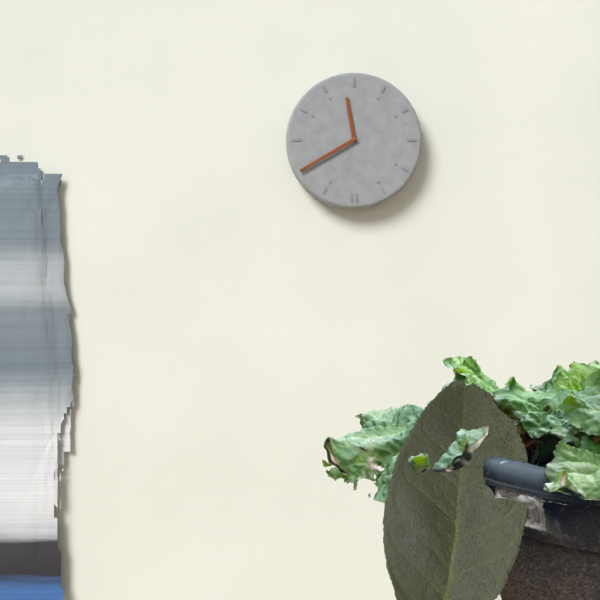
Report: 11:40
